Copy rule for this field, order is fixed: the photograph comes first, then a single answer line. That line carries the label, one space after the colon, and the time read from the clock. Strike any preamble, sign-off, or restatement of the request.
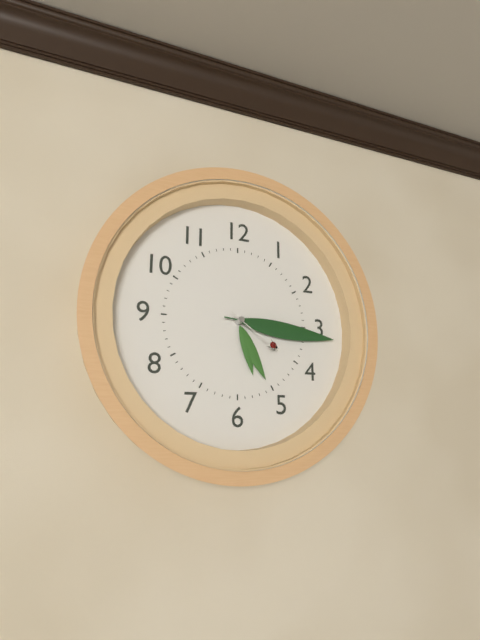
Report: 5:16:21
